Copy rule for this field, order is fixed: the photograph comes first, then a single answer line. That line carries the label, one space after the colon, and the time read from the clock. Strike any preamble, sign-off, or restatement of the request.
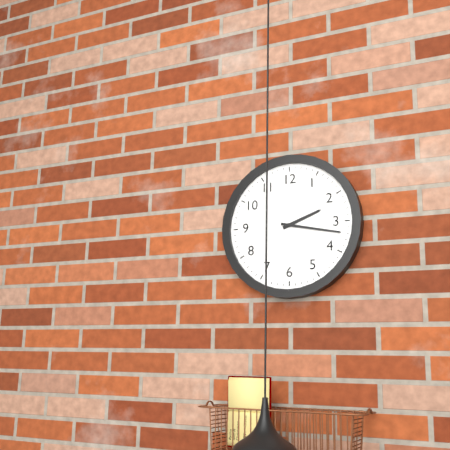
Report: 2:17
